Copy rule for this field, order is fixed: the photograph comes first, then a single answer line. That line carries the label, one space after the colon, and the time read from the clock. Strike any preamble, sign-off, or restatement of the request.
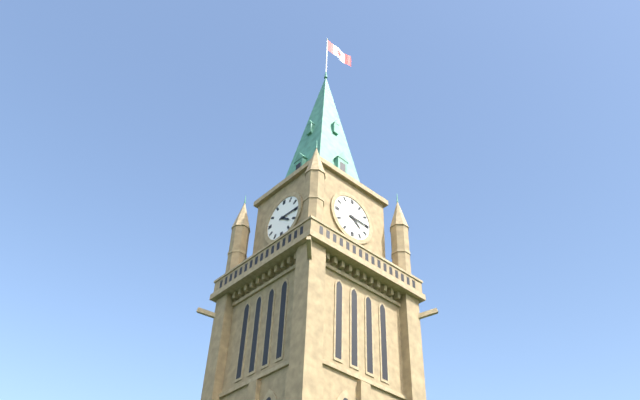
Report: 4:15
